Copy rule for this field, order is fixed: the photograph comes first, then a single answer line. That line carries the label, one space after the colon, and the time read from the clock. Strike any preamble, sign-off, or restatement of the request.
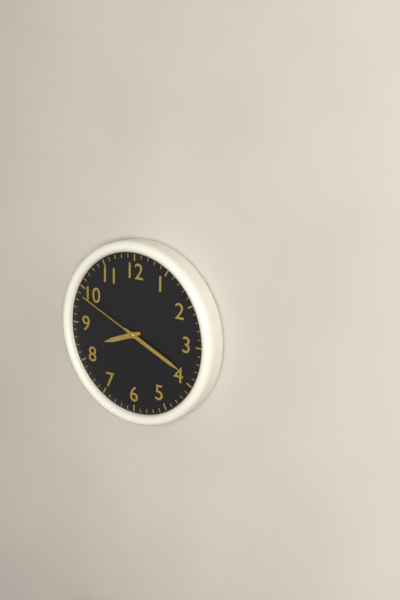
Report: 8:19:49
